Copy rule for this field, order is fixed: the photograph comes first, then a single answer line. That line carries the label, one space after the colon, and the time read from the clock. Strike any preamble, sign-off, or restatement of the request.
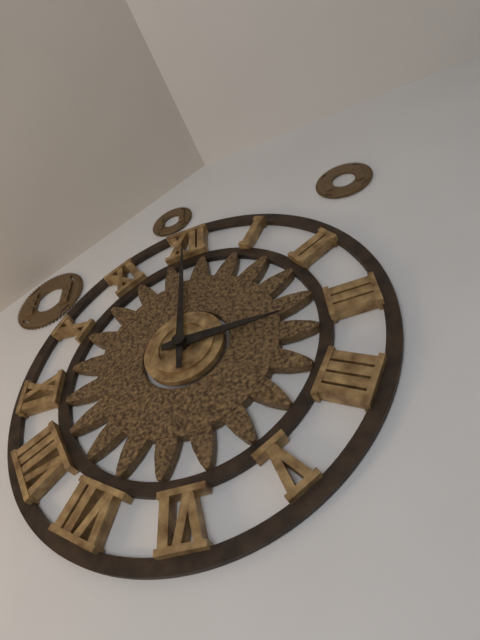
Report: 3:00
